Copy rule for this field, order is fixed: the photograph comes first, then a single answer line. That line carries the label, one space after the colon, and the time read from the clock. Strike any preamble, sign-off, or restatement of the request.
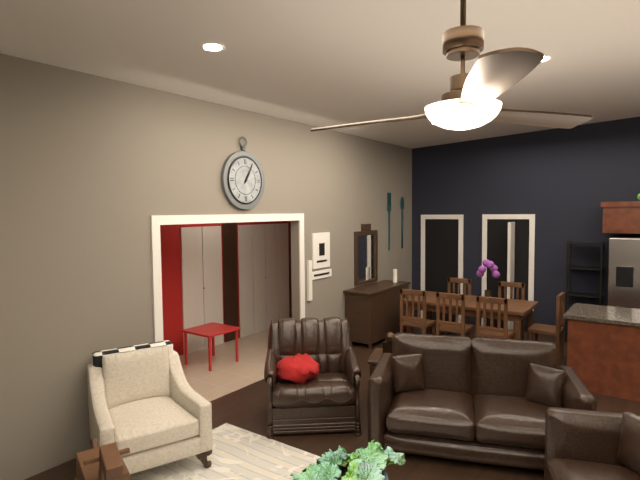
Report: 1:05
